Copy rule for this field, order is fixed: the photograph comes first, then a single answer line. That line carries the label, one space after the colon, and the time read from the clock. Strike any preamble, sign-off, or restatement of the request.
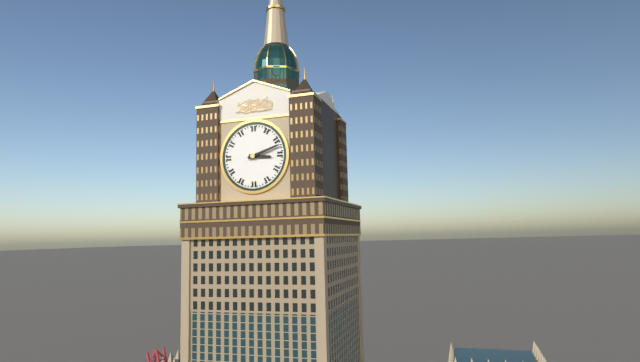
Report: 3:12
